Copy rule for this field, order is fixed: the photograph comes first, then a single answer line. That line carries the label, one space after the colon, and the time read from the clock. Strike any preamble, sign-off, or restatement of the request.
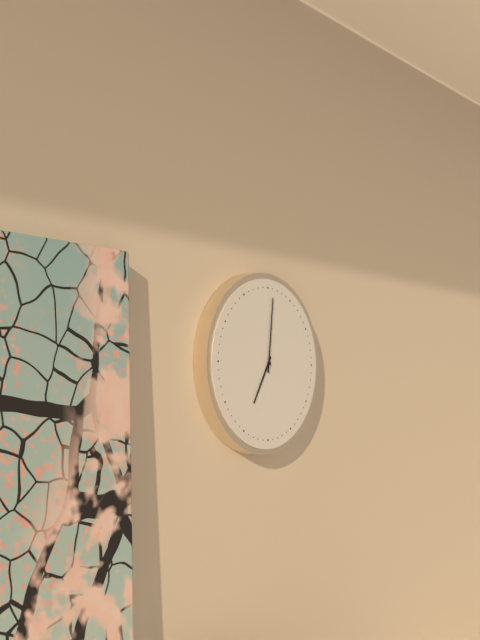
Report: 7:01
